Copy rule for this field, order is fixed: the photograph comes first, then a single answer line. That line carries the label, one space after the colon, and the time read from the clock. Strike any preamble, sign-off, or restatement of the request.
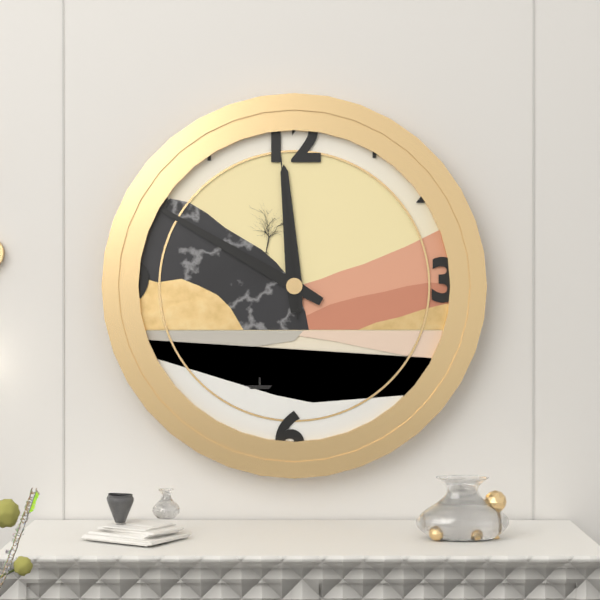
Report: 11:50:59
